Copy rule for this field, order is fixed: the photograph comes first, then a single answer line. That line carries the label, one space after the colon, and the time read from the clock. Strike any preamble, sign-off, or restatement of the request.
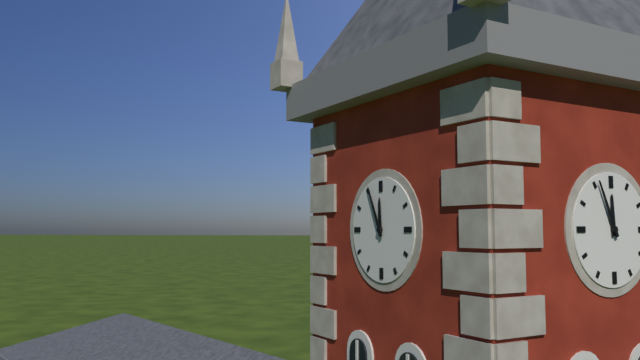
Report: 11:56
